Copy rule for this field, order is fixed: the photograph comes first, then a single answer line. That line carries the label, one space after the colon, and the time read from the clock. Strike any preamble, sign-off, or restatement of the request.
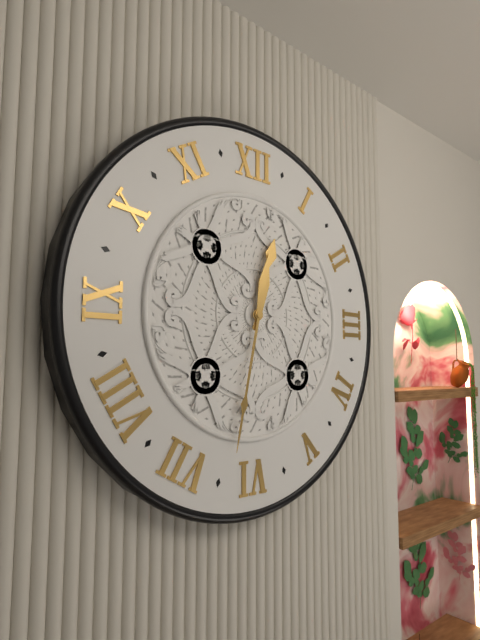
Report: 12:32
